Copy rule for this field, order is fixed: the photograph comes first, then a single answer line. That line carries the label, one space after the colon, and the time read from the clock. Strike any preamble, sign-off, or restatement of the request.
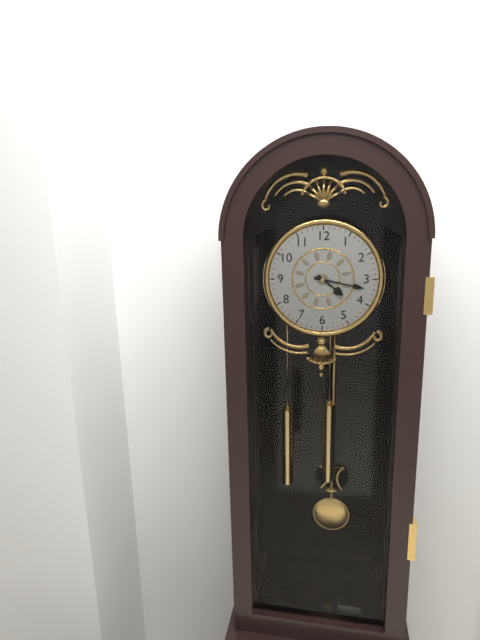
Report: 4:17
